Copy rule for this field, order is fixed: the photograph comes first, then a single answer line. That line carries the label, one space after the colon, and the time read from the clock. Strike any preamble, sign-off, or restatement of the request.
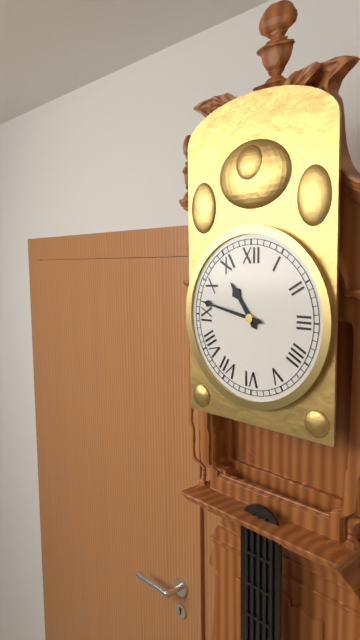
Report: 10:47
